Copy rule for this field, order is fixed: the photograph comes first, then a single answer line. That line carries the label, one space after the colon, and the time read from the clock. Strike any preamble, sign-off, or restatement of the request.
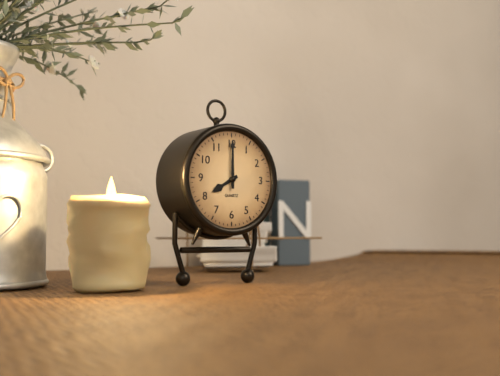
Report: 8:00
